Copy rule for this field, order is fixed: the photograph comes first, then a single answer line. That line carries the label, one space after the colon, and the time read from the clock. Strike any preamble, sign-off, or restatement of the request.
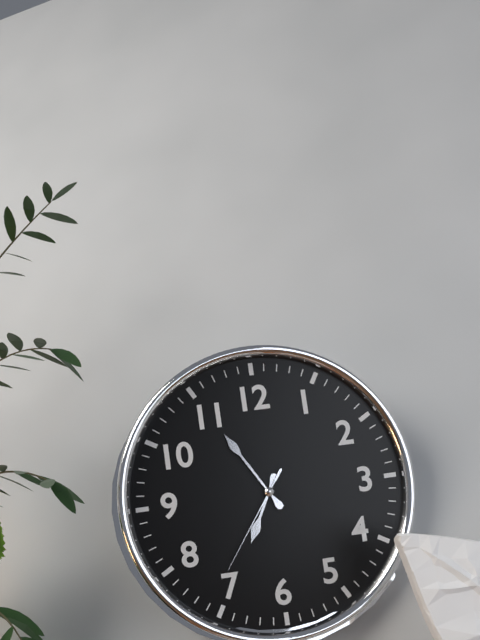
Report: 6:55:36
